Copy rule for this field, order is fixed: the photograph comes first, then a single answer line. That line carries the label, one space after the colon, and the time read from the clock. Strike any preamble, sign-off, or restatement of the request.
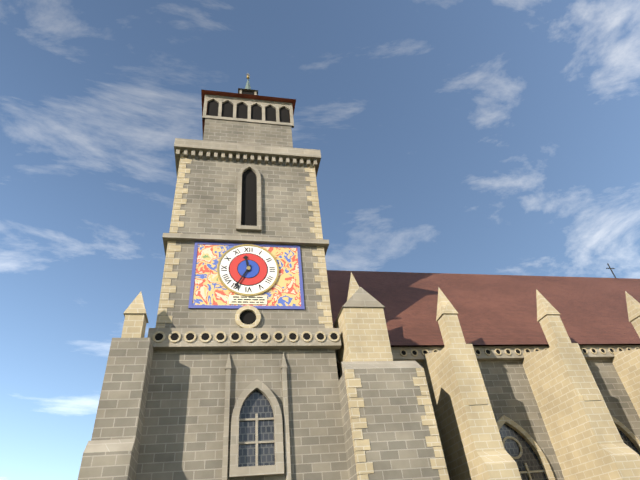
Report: 11:35
